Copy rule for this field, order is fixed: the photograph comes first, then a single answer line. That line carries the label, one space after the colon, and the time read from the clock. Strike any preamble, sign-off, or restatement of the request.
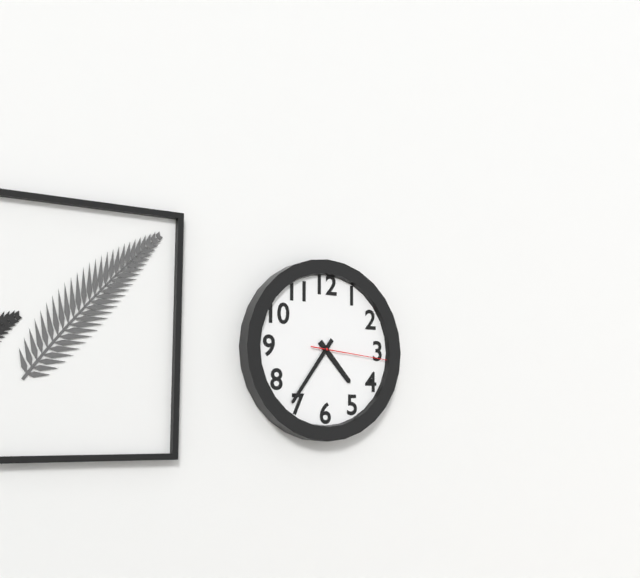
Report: 4:36:16
